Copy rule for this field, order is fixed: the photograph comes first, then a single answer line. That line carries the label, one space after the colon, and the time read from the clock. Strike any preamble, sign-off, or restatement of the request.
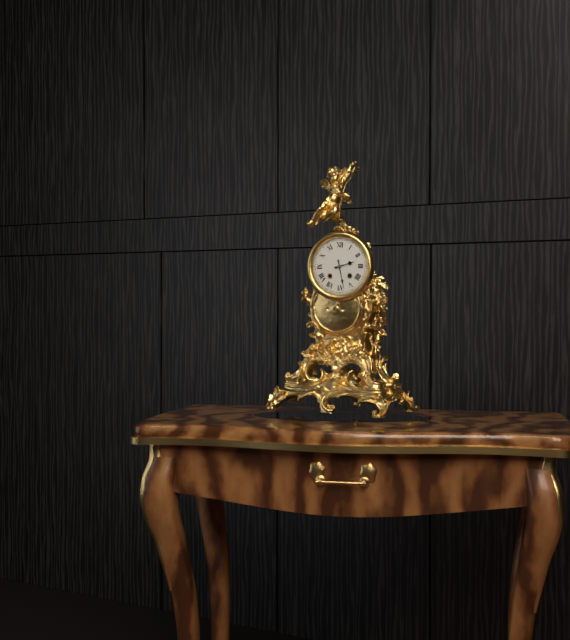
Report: 2:28
